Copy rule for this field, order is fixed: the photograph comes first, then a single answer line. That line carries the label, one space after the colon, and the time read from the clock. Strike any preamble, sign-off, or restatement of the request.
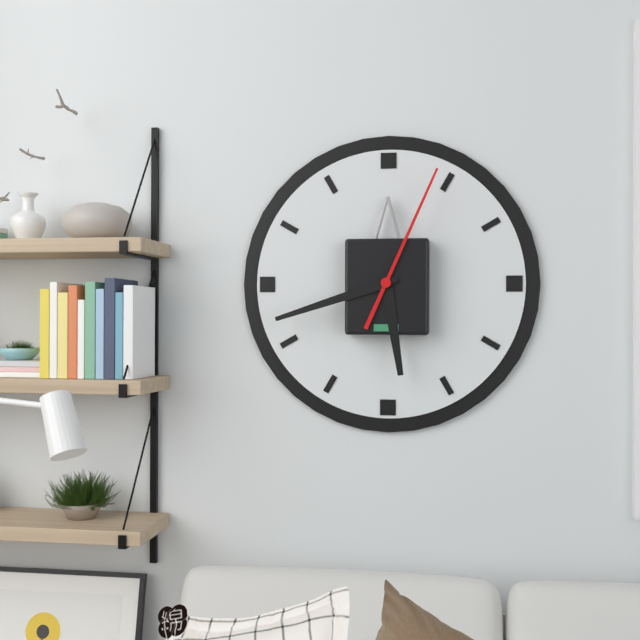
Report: 5:42:04
